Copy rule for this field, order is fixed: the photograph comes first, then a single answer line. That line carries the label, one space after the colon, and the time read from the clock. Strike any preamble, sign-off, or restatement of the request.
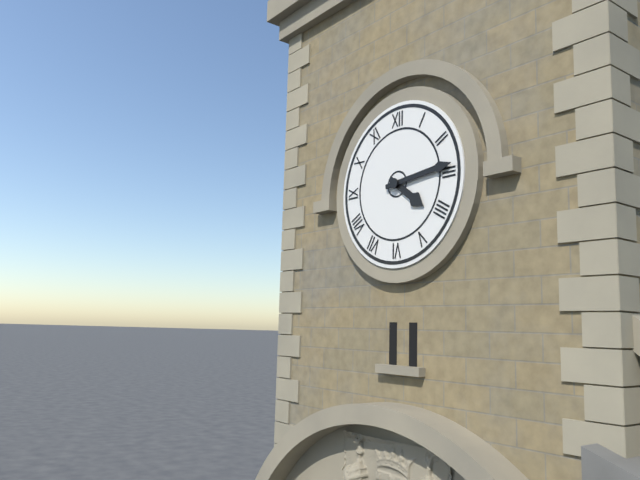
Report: 4:14
